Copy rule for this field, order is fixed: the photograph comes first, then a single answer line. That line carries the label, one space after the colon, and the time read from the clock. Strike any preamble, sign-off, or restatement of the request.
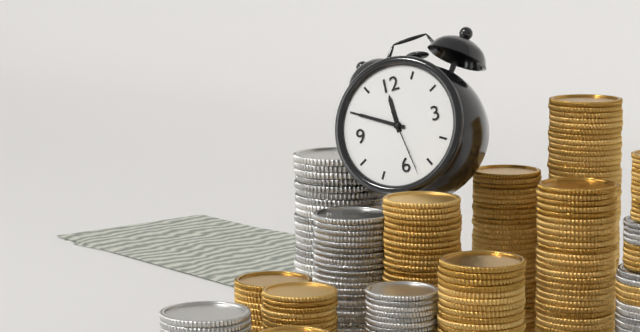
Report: 11:50:28
